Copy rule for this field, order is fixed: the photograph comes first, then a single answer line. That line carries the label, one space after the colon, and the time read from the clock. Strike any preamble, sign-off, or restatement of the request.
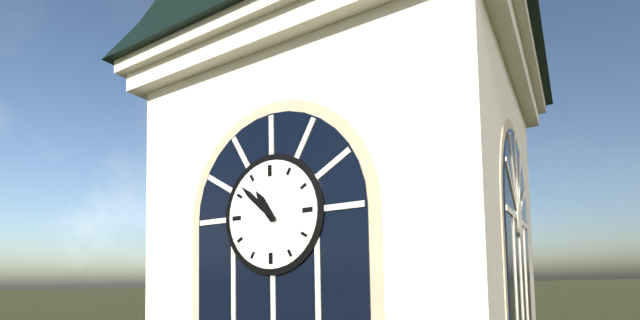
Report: 10:52
